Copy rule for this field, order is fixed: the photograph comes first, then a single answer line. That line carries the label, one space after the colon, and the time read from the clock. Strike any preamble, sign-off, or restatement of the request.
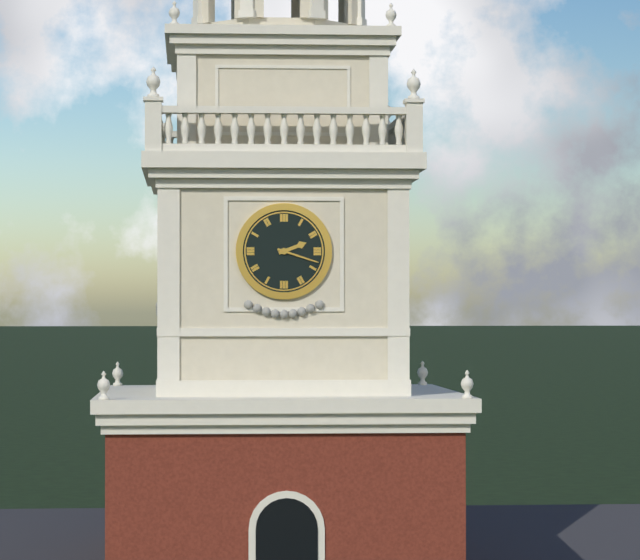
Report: 2:18
